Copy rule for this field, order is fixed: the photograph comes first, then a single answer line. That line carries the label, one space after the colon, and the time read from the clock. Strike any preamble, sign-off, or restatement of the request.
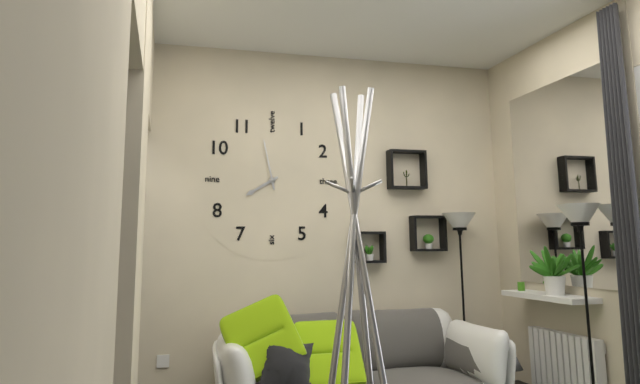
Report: 7:58
